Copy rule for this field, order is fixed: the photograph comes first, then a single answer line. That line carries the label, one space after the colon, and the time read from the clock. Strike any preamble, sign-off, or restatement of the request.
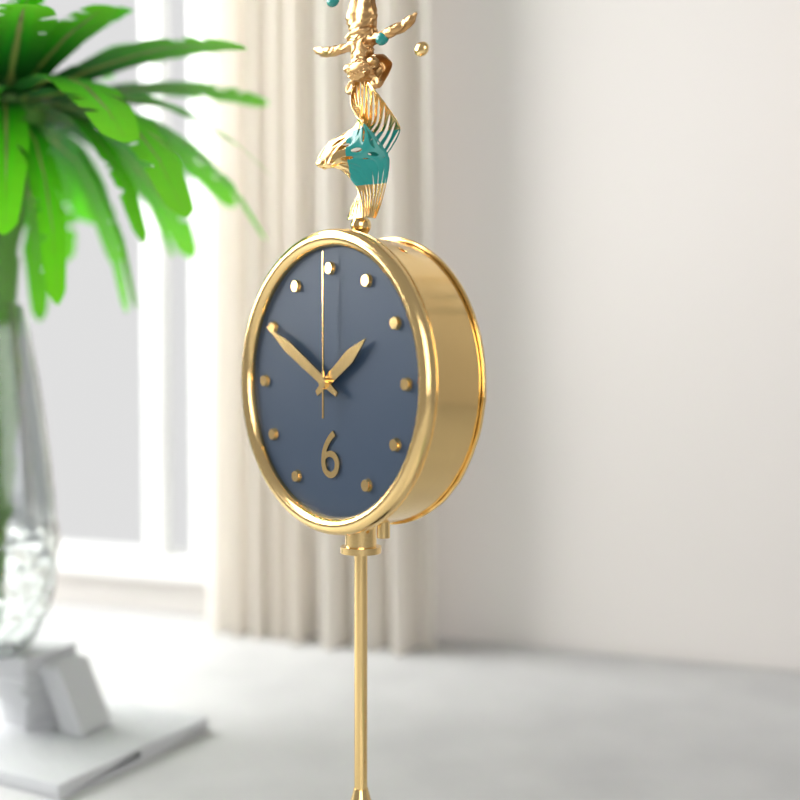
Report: 1:50:00
